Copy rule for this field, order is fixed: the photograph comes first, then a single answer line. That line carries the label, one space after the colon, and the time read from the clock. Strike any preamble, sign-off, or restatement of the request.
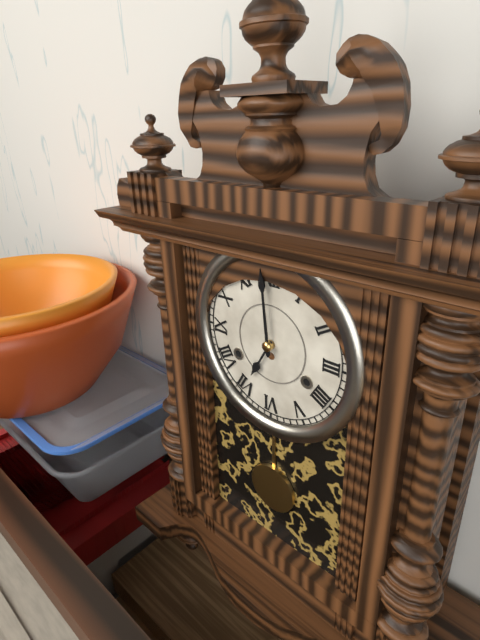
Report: 6:59
